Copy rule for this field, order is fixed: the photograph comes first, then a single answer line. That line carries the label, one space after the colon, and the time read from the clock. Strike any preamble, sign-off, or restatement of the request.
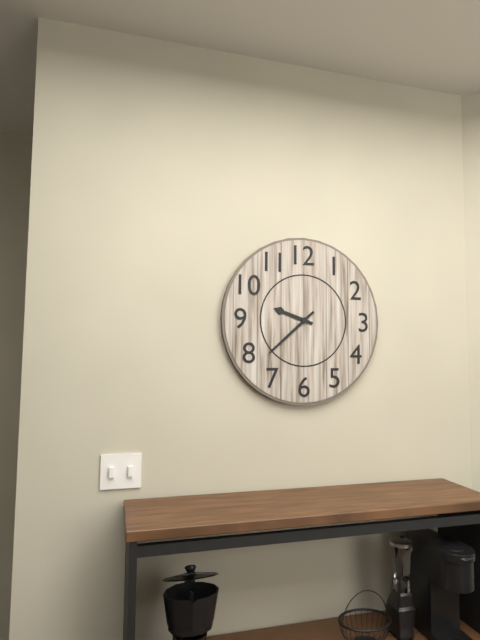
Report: 9:38
